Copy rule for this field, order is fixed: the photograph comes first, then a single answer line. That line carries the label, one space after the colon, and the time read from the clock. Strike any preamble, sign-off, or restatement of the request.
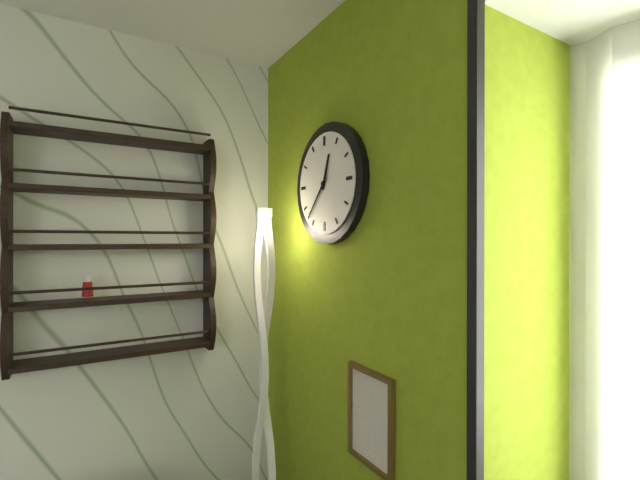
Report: 12:37
